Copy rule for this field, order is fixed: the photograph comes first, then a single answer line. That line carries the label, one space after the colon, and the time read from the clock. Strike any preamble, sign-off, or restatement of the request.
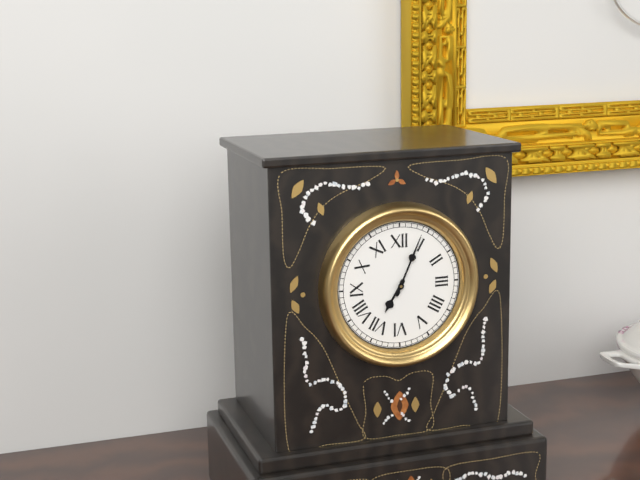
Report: 7:04
